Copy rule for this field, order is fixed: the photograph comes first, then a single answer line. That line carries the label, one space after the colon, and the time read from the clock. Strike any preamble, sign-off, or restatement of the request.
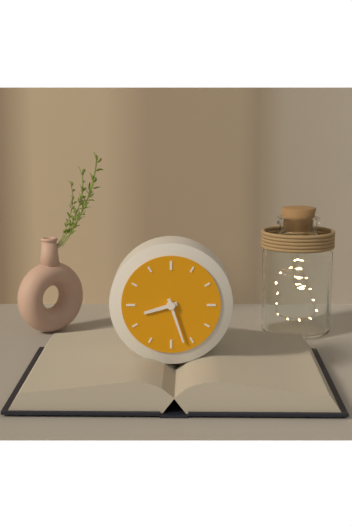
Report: 8:27
